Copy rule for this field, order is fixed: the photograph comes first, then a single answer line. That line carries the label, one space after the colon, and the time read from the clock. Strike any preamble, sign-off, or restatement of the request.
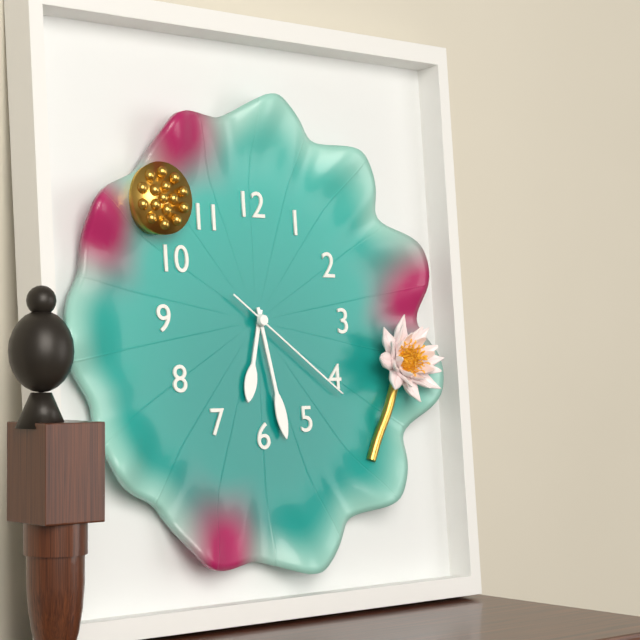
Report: 6:28:21
